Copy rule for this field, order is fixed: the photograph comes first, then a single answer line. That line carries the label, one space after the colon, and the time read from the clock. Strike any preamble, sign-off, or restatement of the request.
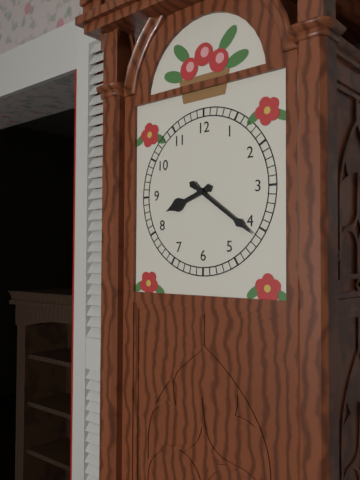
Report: 8:21
